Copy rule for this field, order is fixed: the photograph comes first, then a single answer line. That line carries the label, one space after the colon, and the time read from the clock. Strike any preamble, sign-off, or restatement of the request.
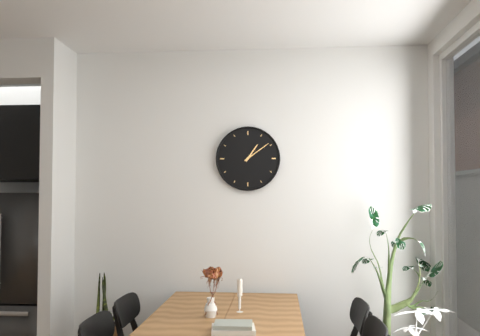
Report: 1:09
